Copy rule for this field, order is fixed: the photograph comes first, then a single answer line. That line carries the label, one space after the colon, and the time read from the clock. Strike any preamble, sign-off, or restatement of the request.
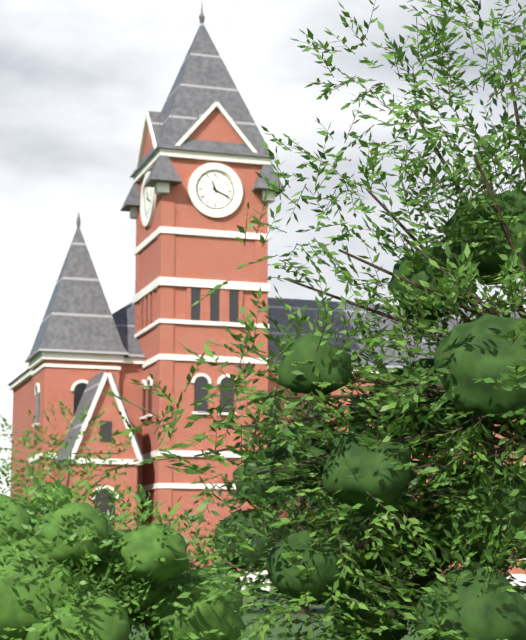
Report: 11:19
